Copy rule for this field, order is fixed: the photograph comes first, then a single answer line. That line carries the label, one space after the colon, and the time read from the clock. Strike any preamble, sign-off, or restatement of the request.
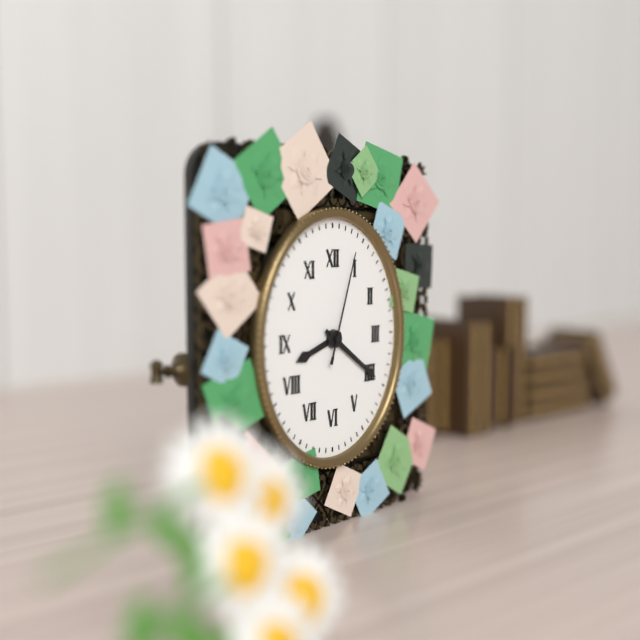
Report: 8:21:03
